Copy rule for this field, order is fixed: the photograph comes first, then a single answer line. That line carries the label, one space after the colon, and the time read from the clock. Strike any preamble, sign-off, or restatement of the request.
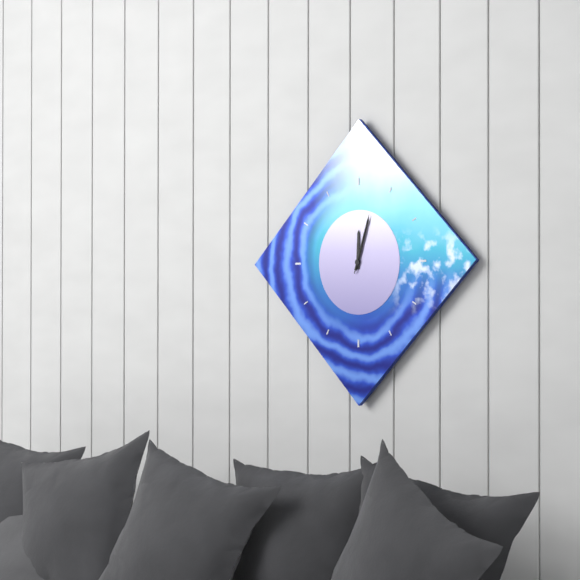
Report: 12:03:03
